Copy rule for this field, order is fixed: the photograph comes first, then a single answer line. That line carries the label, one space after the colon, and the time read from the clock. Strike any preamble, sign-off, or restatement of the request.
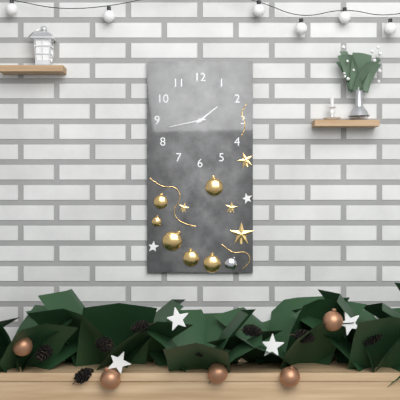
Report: 1:43
